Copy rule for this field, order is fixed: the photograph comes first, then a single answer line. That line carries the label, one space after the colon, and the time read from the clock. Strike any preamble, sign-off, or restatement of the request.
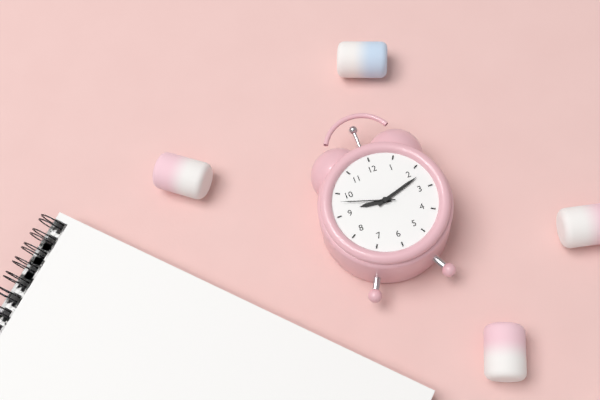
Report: 9:12:48
